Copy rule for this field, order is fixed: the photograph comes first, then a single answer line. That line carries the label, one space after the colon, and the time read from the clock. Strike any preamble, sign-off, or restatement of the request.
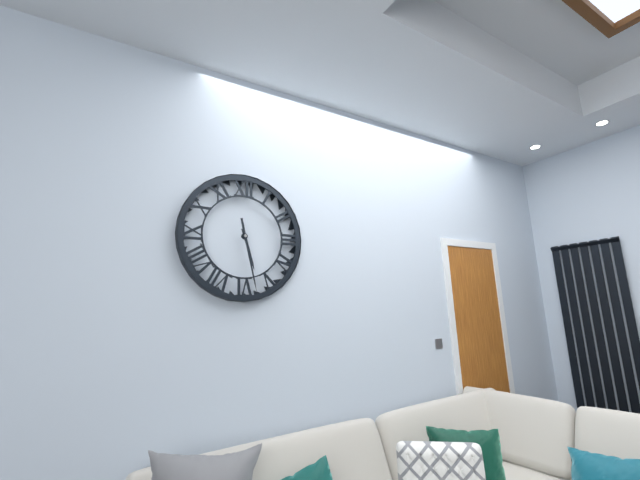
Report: 5:28
